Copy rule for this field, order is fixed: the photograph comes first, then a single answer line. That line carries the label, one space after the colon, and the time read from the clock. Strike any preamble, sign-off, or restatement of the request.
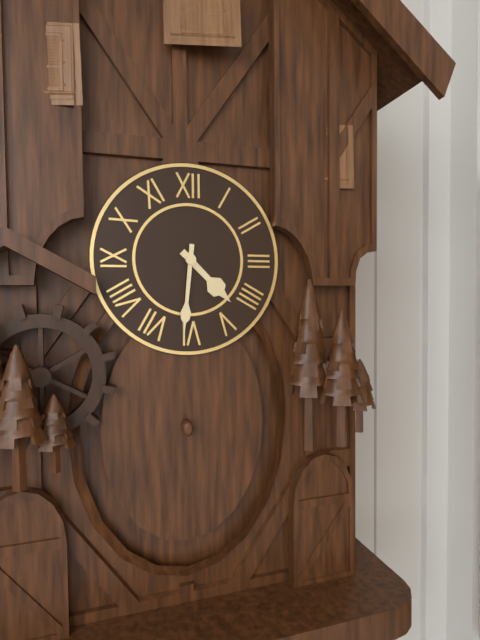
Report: 4:31
